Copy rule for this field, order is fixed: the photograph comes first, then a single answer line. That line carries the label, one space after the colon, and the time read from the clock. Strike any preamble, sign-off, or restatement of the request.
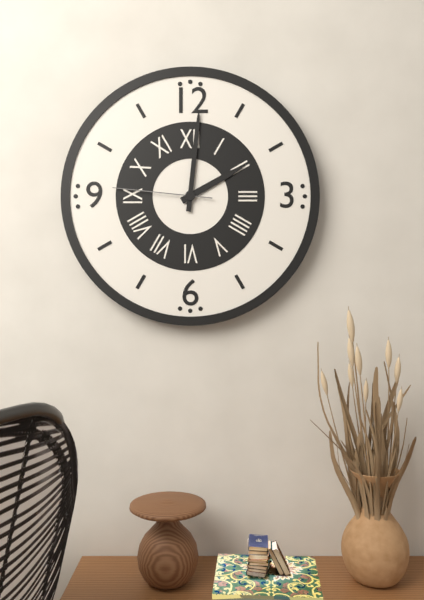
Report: 2:01:46
